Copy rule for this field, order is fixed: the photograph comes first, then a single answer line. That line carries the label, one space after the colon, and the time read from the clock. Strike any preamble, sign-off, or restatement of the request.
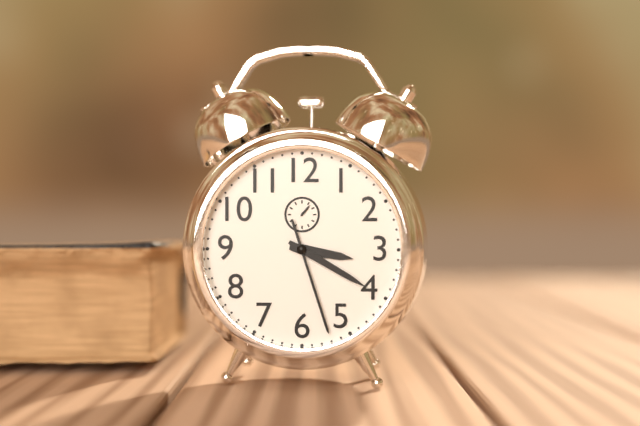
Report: 3:20:27
